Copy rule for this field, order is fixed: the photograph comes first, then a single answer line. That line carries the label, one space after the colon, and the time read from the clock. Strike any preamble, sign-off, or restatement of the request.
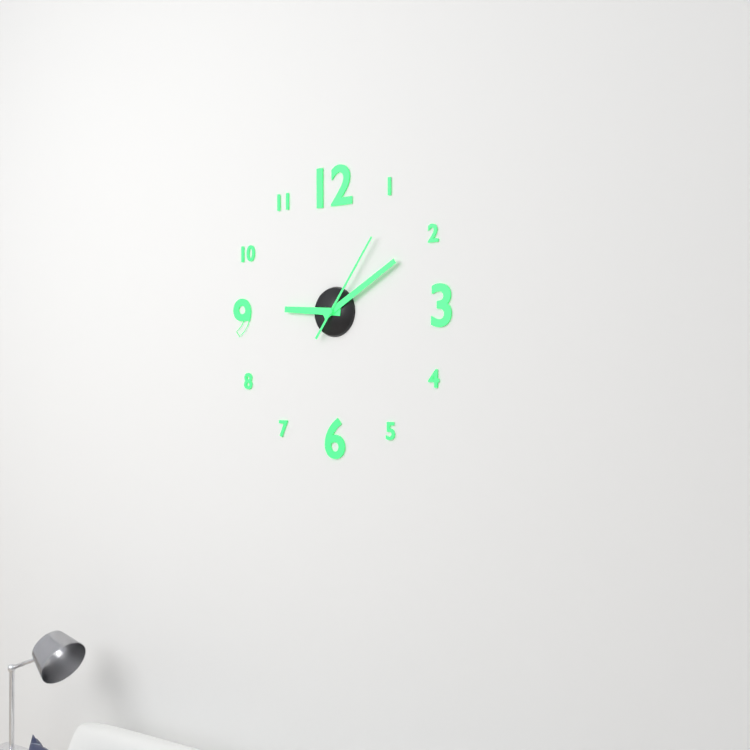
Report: 9:10:06
